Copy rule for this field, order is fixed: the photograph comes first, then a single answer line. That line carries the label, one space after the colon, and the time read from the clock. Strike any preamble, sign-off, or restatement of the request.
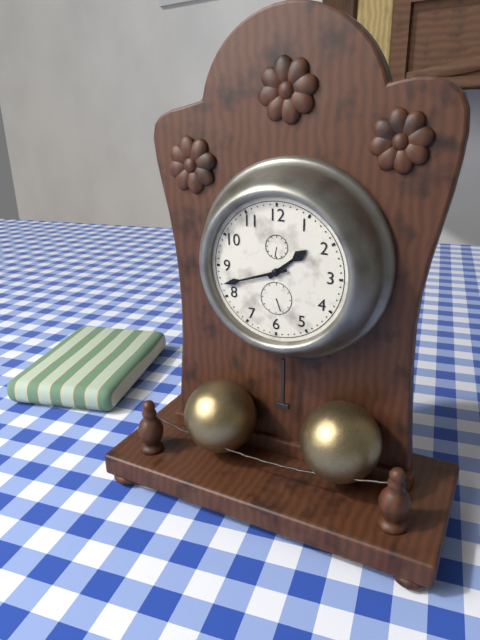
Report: 1:42
